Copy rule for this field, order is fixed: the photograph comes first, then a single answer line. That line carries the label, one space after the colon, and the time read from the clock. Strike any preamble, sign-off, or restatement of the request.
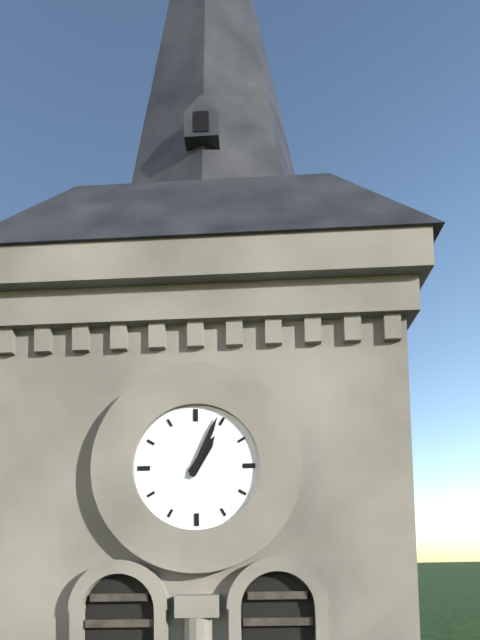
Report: 1:04
